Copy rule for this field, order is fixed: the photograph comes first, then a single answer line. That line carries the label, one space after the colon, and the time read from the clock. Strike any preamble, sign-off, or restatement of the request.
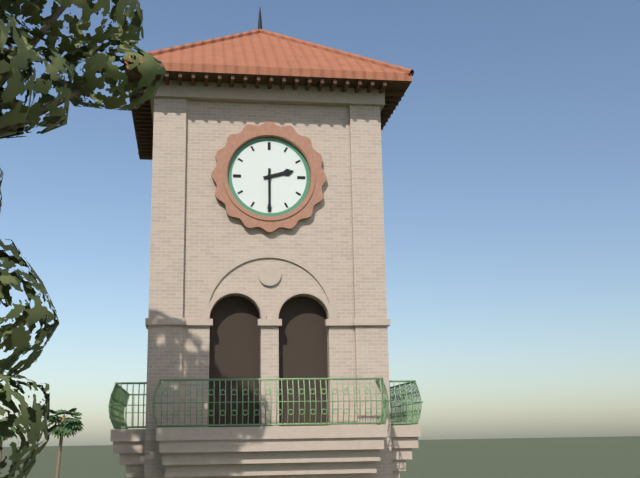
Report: 2:30
